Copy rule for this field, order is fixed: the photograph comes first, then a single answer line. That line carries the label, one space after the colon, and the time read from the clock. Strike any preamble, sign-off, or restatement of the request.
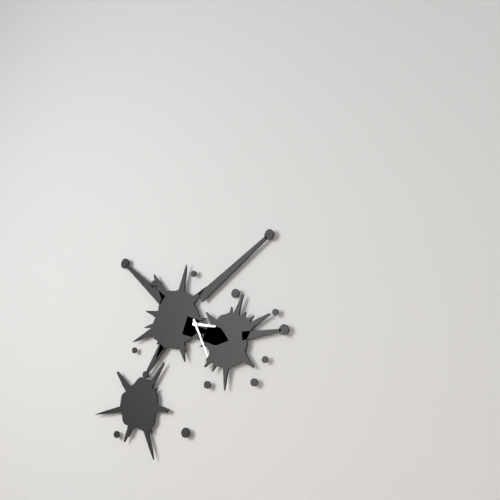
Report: 3:26
